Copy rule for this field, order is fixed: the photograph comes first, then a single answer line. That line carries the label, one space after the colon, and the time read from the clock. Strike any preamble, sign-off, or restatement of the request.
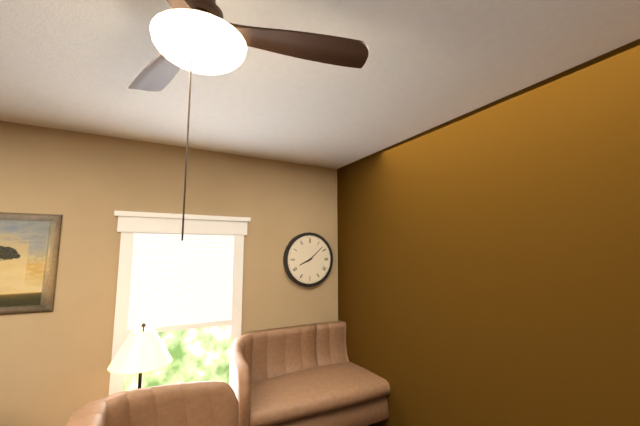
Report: 8:08
